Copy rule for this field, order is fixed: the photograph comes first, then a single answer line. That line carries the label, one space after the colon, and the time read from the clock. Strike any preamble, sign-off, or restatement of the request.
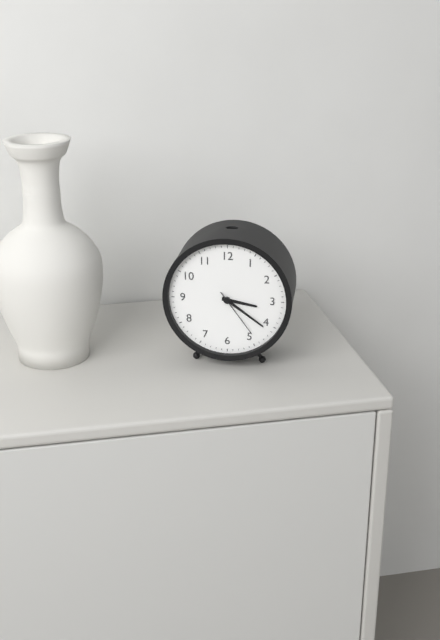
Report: 3:21:24
